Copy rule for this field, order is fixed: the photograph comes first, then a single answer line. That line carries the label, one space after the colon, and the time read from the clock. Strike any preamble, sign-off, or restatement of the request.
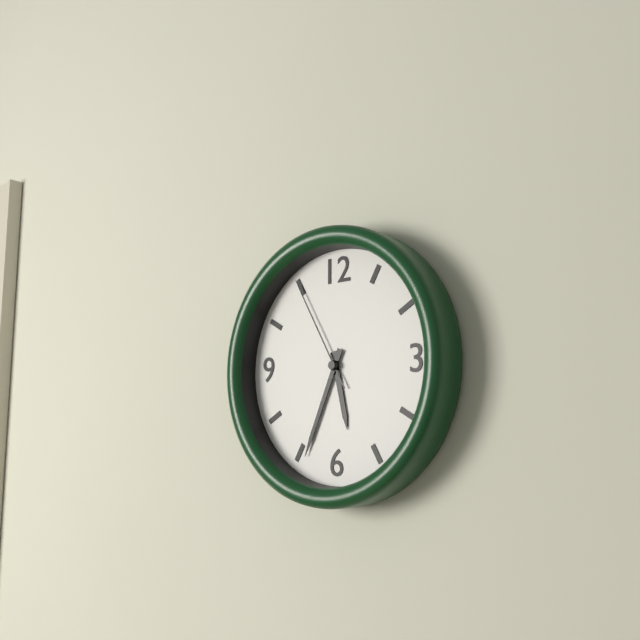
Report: 5:34:55
